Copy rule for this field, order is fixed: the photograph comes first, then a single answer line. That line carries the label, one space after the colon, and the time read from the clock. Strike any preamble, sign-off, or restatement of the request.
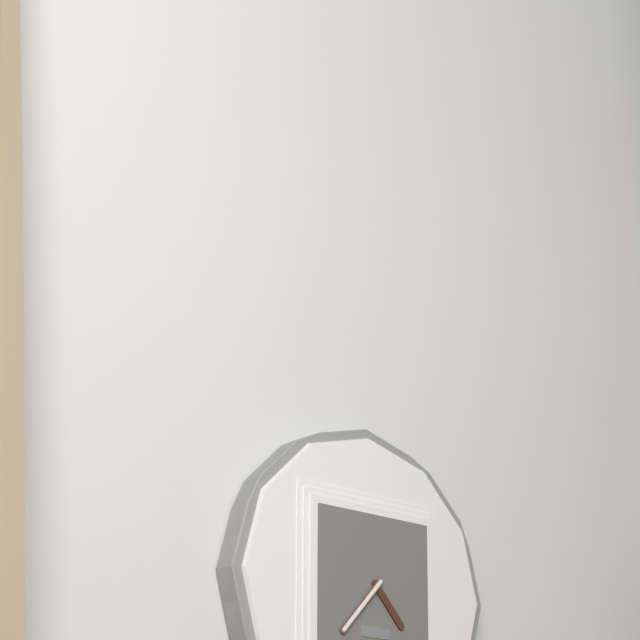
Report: 4:37
